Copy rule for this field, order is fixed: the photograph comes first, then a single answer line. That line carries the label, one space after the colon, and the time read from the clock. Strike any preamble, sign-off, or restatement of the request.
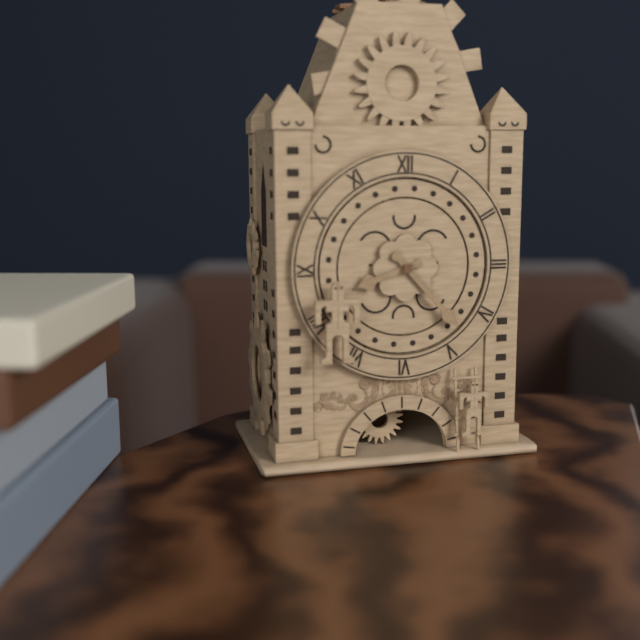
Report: 8:23
